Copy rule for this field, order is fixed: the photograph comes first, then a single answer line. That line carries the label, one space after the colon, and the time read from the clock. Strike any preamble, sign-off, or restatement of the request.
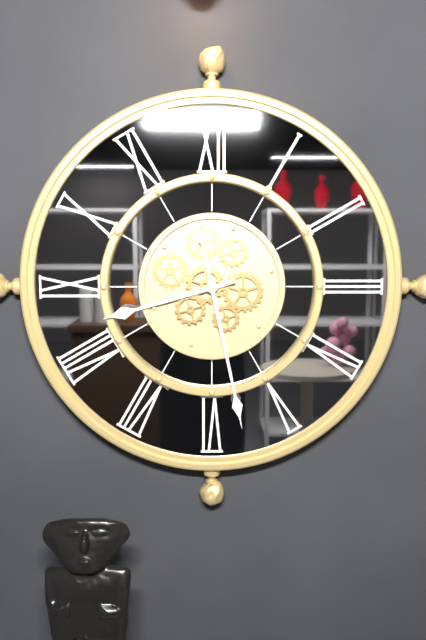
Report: 8:28
